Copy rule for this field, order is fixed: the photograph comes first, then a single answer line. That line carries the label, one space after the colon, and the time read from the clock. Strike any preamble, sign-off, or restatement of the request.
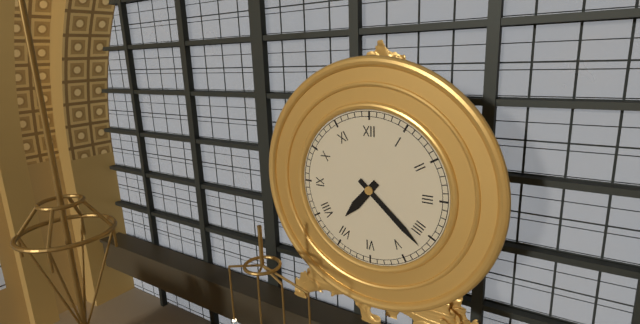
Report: 7:22
